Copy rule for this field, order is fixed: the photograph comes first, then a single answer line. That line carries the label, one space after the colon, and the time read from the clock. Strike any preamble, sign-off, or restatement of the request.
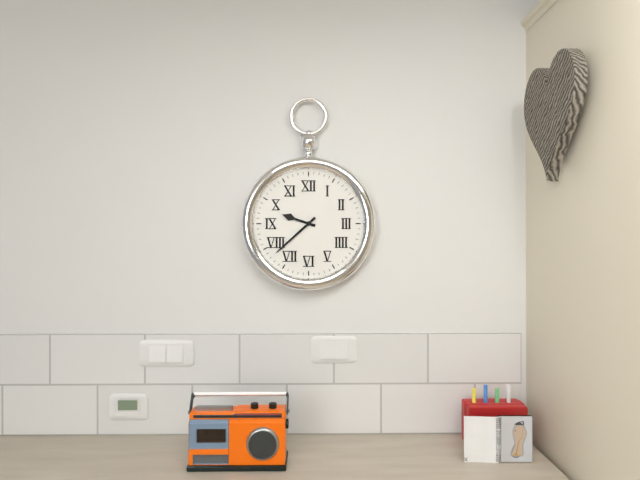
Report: 9:38
